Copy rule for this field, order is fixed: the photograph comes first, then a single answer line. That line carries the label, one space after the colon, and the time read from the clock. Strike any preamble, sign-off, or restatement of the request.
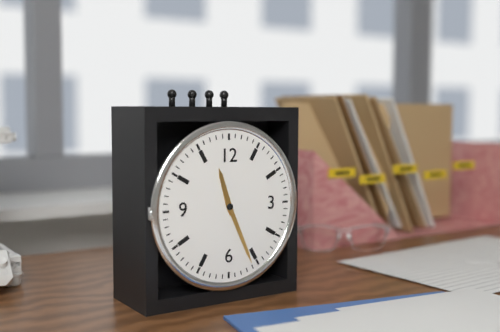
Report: 11:26
